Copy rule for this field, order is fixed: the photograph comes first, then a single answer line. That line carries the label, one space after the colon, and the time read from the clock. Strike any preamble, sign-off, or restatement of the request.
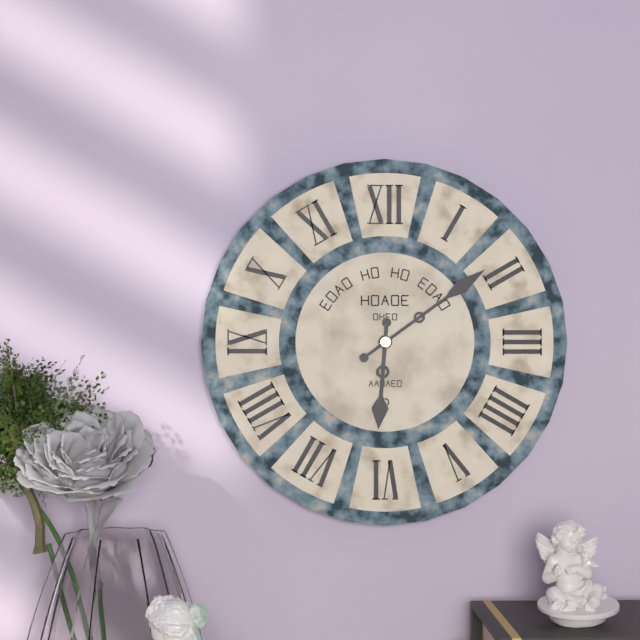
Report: 6:09
